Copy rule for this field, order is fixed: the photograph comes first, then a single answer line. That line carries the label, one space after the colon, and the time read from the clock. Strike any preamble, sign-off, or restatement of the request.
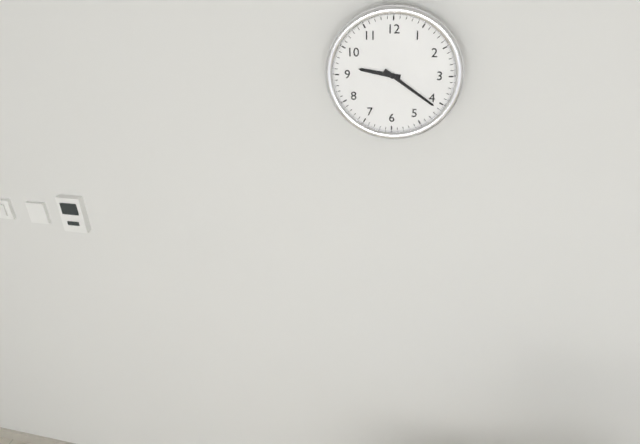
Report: 9:21
